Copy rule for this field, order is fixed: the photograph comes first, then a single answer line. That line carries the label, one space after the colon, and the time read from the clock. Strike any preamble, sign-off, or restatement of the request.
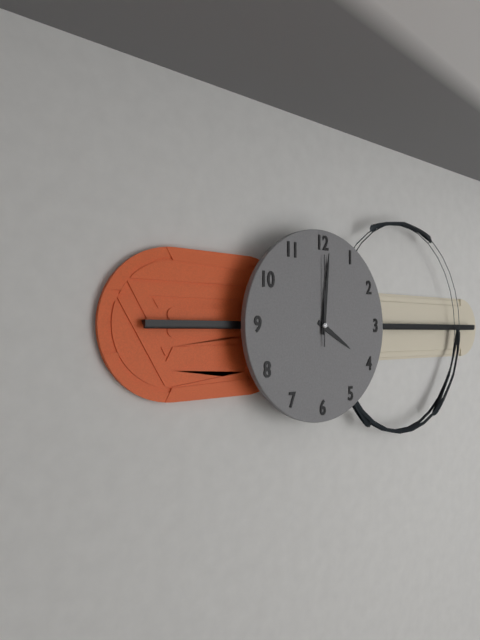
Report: 4:01:00
